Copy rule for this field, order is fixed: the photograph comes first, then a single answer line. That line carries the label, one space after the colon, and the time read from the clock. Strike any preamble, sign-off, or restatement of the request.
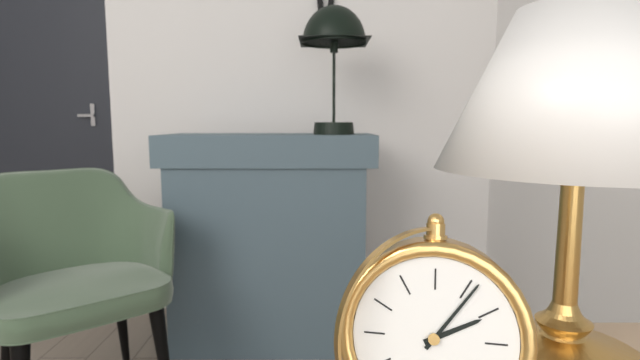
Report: 2:06
